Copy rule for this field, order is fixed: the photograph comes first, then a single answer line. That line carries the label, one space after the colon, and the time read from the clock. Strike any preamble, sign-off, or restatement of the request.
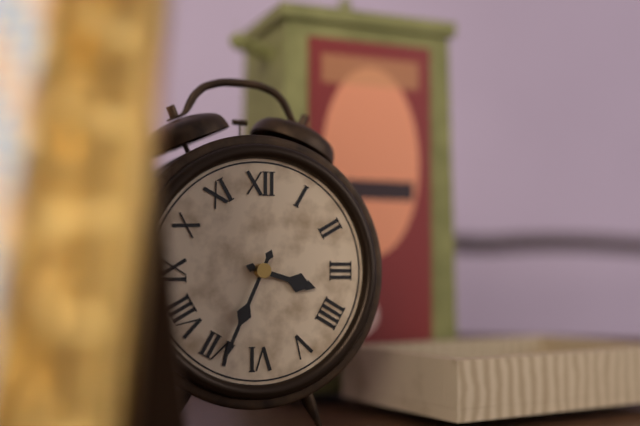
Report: 3:34
